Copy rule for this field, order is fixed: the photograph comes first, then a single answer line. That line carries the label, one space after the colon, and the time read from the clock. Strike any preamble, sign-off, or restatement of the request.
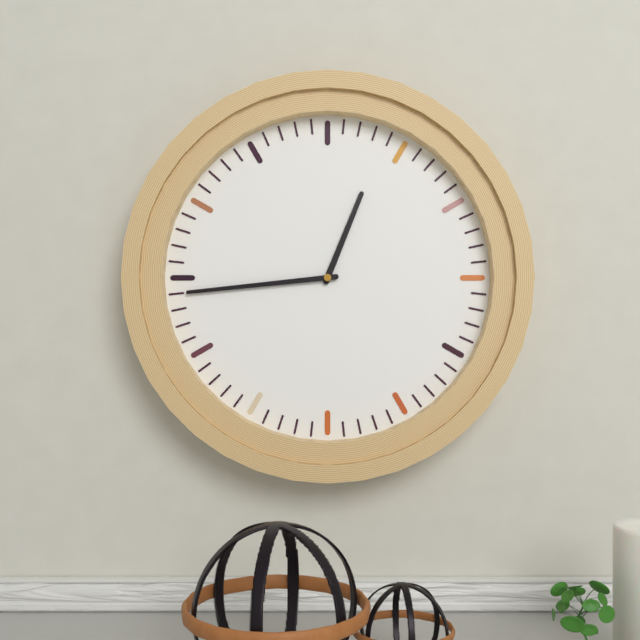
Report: 12:44
